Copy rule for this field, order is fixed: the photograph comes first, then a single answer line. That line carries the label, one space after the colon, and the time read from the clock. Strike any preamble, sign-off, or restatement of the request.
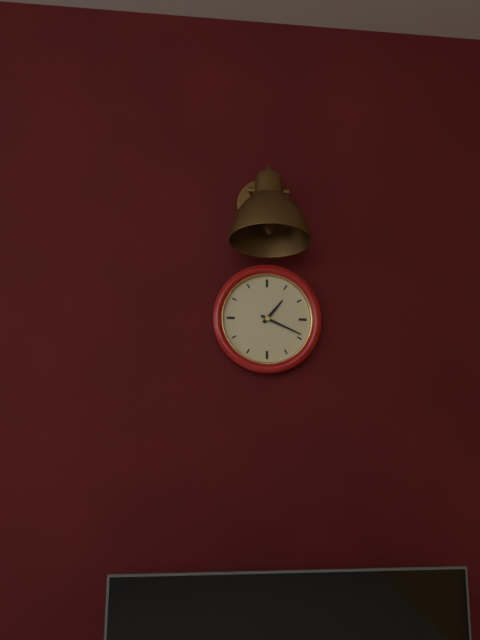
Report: 1:19
